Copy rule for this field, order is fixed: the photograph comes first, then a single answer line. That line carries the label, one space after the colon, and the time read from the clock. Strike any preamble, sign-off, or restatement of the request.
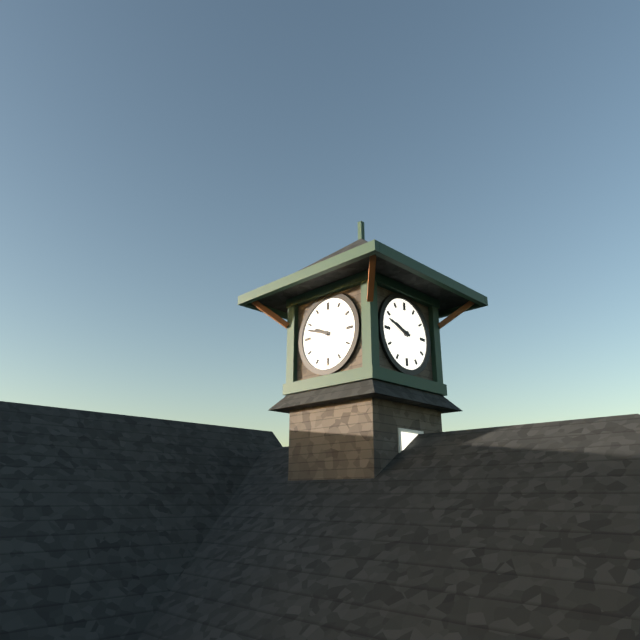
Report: 9:48
